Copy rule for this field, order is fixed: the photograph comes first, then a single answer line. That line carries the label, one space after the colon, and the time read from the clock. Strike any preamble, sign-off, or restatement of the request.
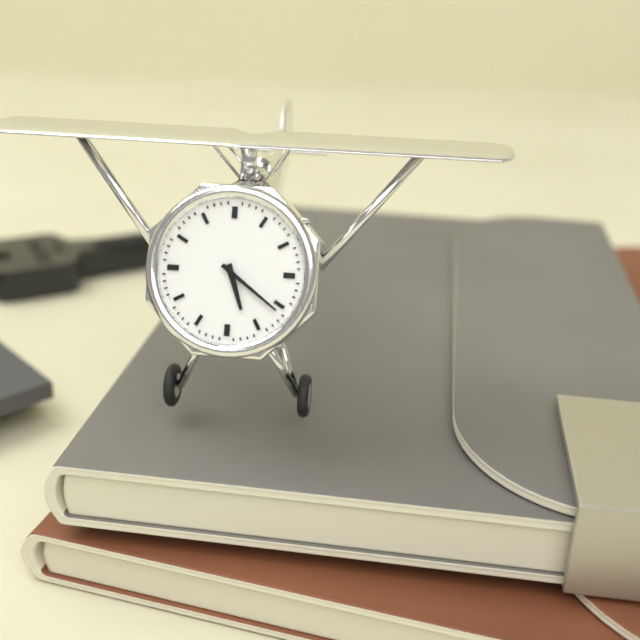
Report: 5:21
